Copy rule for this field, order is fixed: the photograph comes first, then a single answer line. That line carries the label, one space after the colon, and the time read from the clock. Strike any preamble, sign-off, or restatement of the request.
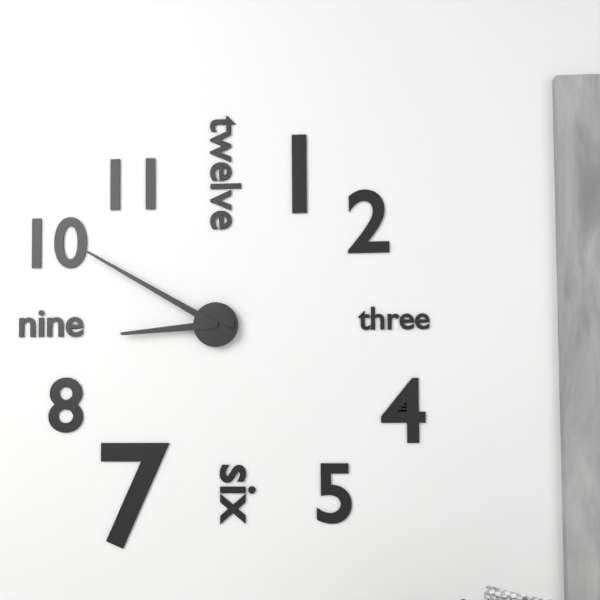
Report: 8:50
